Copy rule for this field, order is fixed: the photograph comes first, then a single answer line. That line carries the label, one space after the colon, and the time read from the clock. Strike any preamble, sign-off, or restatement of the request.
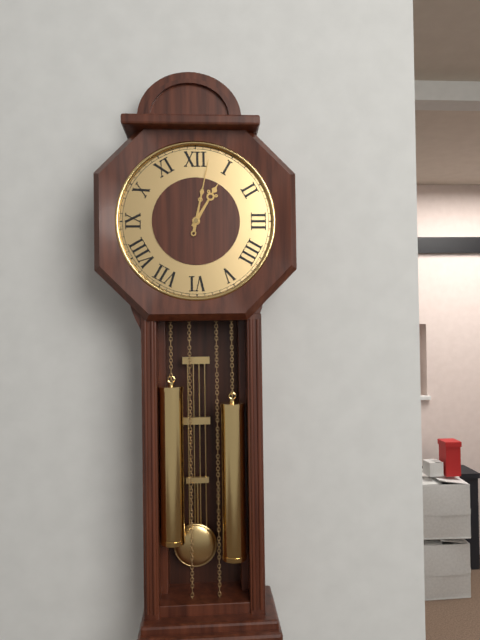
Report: 1:02
